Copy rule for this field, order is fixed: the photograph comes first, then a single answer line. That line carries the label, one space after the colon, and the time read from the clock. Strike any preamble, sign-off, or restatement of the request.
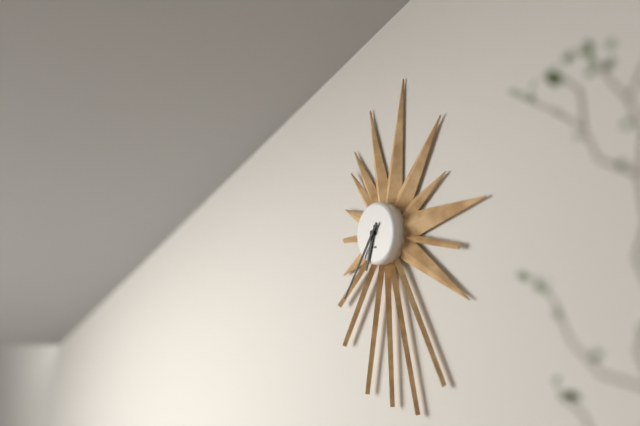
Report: 6:36
